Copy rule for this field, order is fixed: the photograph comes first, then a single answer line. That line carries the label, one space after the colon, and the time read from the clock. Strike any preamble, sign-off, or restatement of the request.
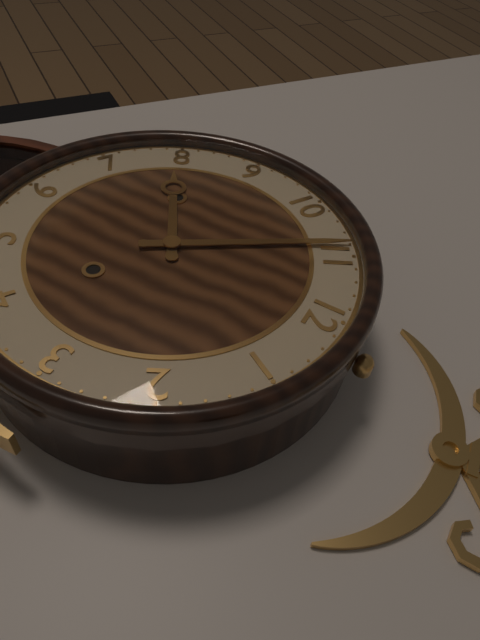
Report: 7:54
